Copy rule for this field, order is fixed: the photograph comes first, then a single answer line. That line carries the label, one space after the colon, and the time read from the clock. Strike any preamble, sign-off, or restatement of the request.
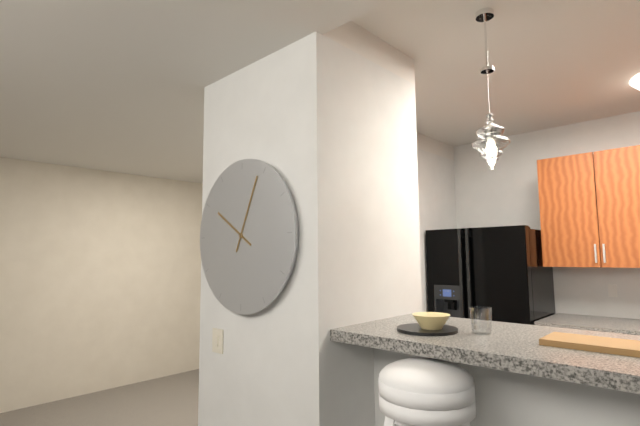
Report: 10:04
